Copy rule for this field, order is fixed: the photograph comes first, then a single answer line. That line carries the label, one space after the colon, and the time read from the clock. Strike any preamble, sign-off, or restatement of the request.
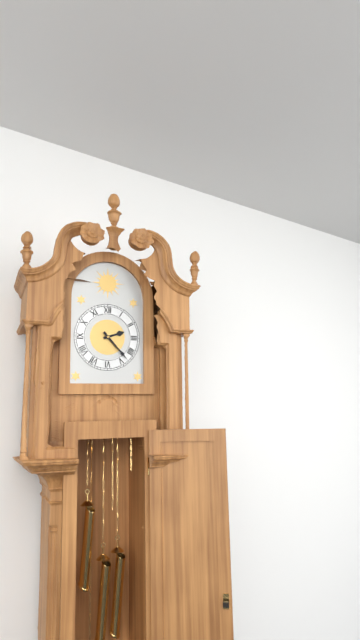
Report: 2:23
